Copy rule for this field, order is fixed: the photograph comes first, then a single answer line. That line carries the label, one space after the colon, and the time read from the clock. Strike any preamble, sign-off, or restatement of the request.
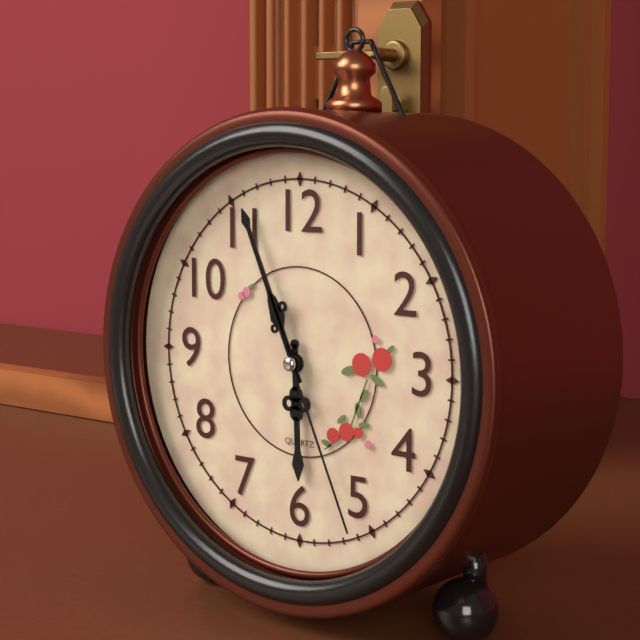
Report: 5:56:26
